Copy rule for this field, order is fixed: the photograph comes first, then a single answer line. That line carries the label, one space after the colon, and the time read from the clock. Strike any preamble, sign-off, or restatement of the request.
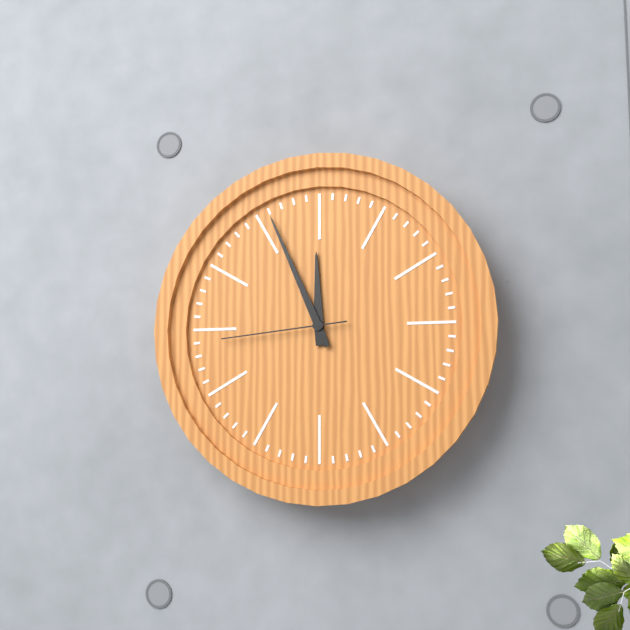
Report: 11:56:44
